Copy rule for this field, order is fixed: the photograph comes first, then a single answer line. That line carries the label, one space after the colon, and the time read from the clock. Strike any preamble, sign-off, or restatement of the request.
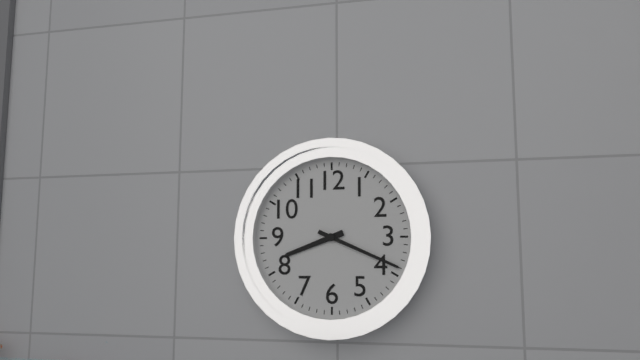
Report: 8:19
